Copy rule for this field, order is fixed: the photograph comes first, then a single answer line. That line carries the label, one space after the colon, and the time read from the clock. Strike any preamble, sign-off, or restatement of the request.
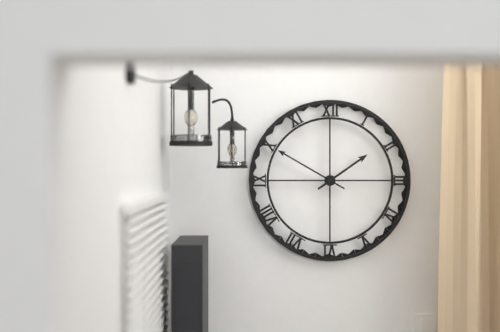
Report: 1:50
